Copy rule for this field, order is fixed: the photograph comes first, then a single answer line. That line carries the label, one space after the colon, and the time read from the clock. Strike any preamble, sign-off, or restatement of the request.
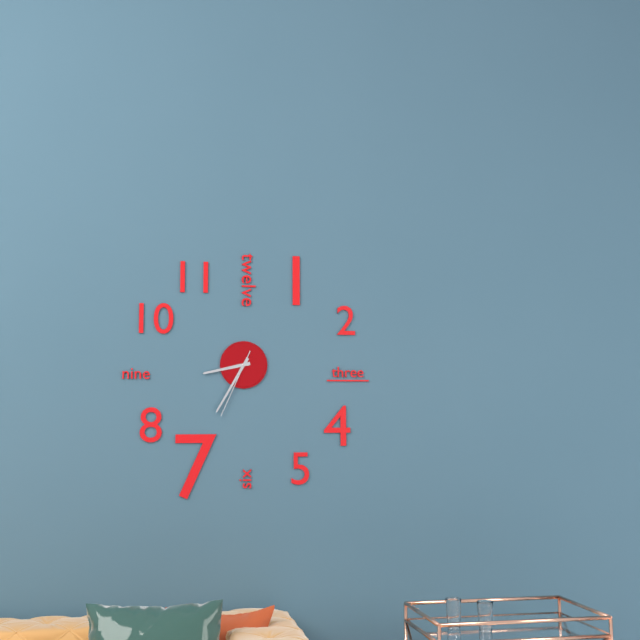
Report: 8:35:34
